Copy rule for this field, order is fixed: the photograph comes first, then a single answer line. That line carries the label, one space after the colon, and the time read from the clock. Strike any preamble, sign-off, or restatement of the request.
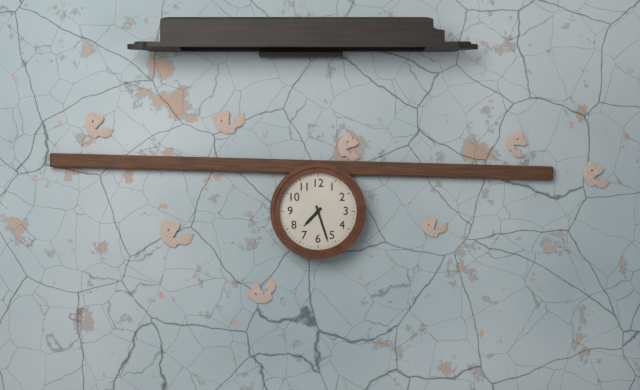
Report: 7:27
